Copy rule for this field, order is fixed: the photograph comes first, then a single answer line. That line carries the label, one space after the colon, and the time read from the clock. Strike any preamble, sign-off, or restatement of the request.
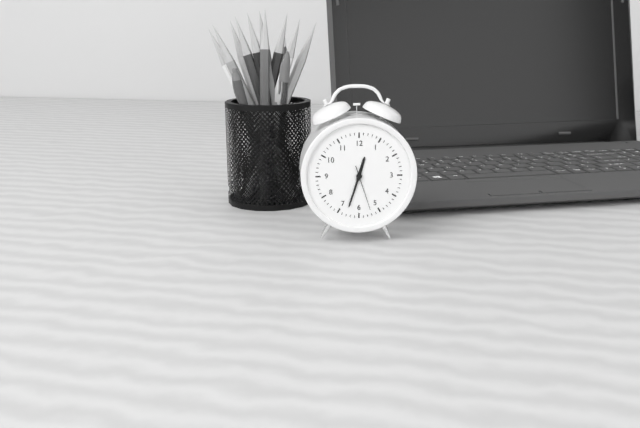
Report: 12:33
